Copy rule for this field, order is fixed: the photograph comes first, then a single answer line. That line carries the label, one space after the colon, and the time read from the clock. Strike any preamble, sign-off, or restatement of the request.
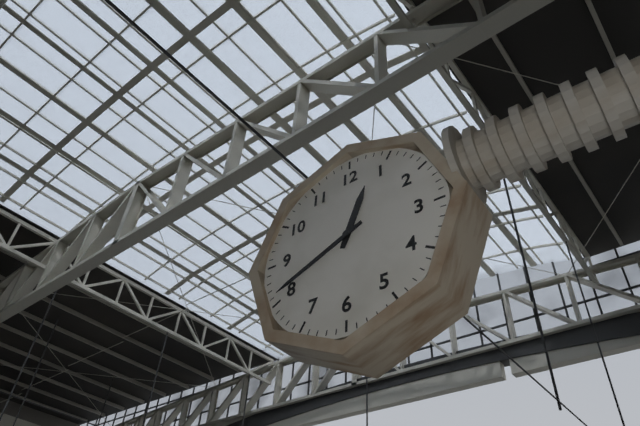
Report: 12:41
